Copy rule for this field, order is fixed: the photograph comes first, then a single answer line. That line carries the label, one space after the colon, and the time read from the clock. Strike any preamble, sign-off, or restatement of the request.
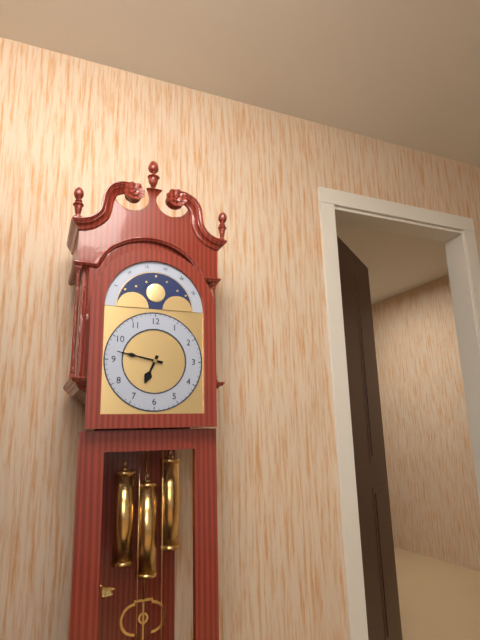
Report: 6:47
